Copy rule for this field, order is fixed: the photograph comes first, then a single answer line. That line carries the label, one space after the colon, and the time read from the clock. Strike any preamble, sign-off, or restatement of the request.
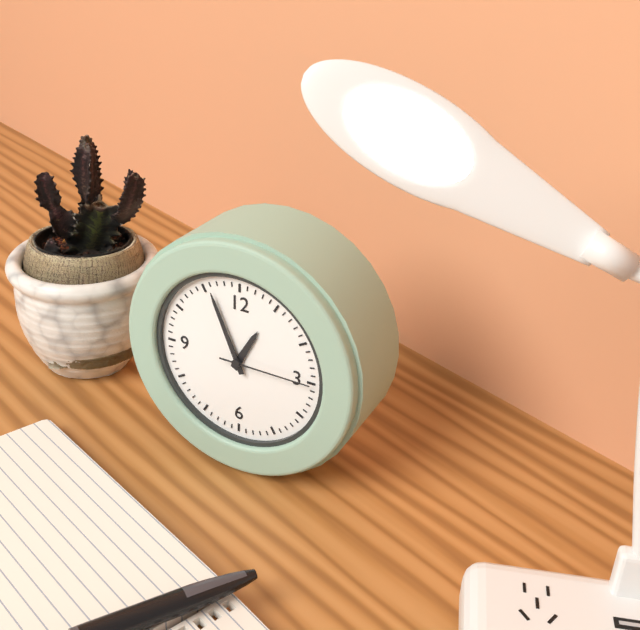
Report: 12:56:15
